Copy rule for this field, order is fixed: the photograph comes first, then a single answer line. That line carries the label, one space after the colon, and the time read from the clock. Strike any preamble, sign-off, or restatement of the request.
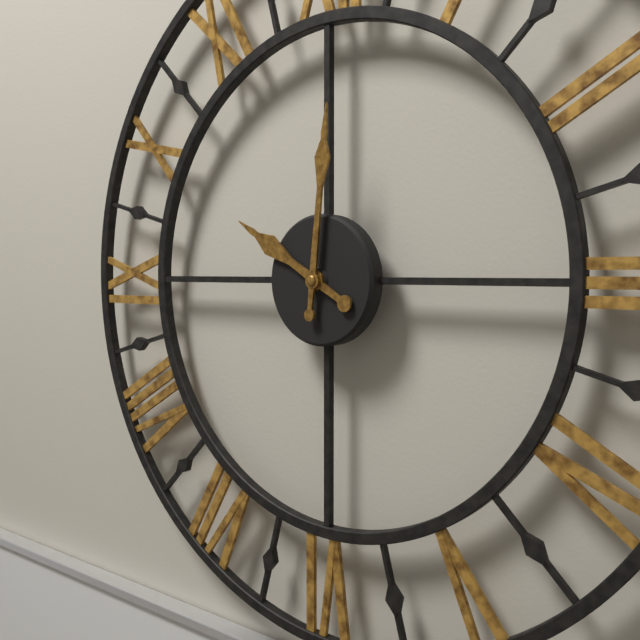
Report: 10:01
